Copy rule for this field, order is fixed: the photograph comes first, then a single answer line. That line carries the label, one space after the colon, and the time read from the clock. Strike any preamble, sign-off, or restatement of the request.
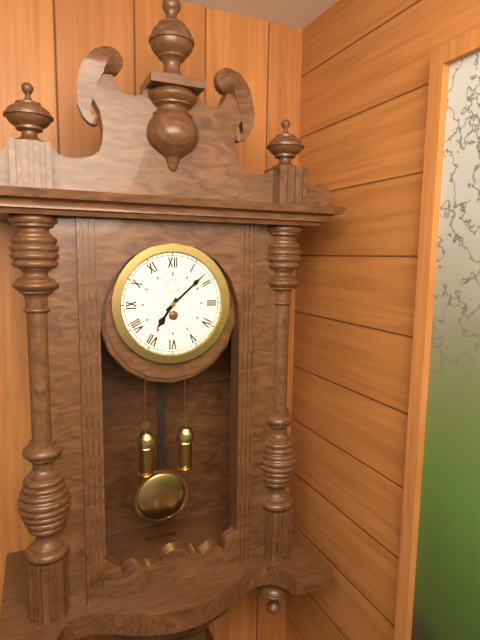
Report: 7:08
